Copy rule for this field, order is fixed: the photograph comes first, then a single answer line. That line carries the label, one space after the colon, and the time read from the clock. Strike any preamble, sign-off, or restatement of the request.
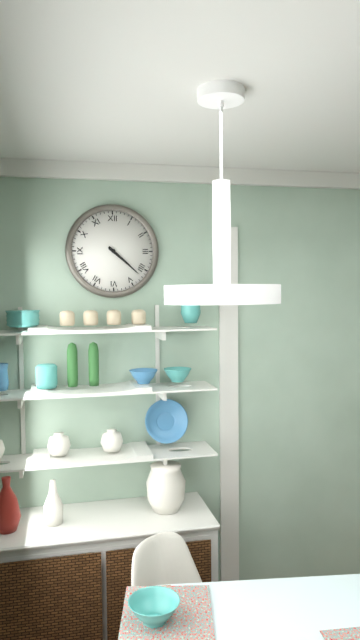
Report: 4:22
